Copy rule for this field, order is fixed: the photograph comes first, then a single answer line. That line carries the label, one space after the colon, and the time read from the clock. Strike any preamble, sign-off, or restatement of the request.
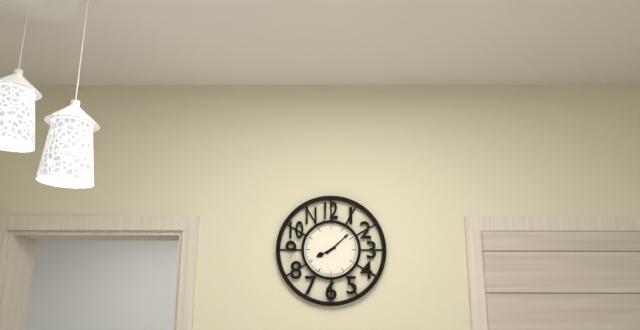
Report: 8:08
